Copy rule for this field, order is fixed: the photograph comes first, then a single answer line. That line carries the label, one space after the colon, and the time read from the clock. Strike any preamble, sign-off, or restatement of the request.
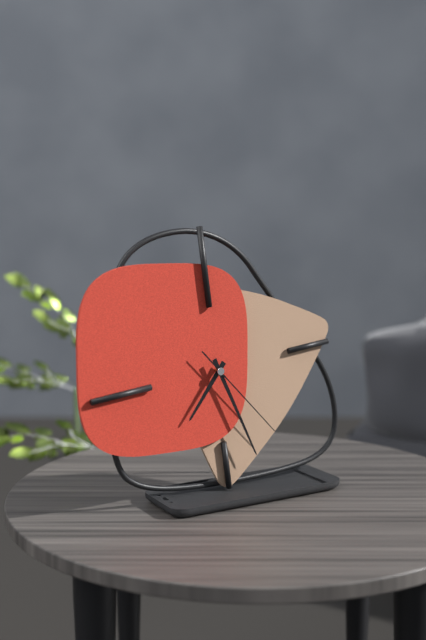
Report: 7:27:24
